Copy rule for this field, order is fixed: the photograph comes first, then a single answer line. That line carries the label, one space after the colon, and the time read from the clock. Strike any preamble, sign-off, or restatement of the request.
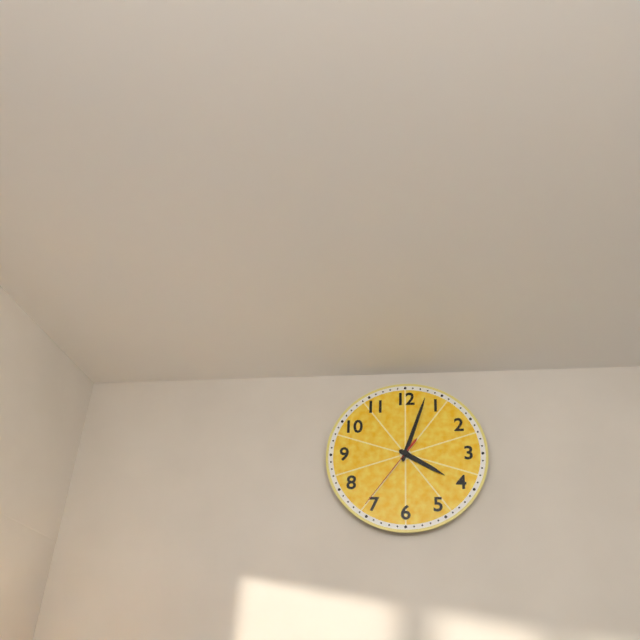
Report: 4:03:36
